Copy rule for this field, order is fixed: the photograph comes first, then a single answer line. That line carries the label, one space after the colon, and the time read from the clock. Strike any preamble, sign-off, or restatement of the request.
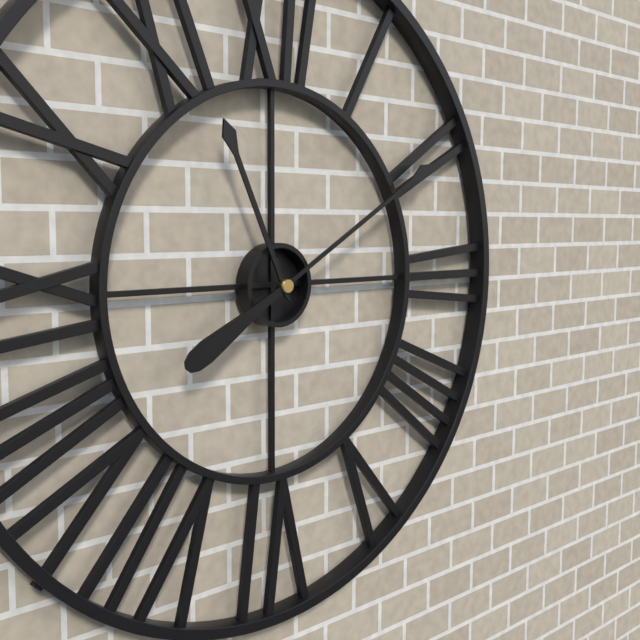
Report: 11:10
